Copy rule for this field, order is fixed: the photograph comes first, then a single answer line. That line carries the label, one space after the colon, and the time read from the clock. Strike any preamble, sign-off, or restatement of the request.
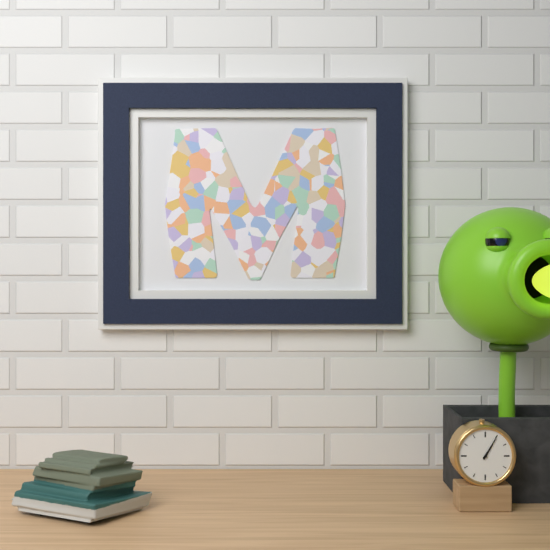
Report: 1:05
